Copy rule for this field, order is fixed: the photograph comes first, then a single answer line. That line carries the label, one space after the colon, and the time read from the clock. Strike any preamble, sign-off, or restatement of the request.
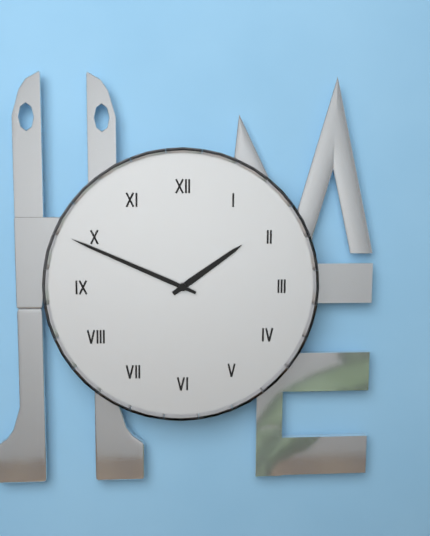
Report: 1:49
